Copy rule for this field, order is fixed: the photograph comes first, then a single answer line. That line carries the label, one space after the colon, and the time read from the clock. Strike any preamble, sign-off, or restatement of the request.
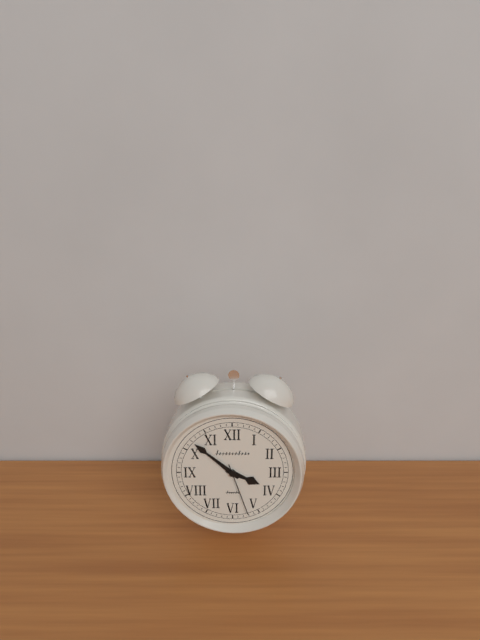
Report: 3:52:27
